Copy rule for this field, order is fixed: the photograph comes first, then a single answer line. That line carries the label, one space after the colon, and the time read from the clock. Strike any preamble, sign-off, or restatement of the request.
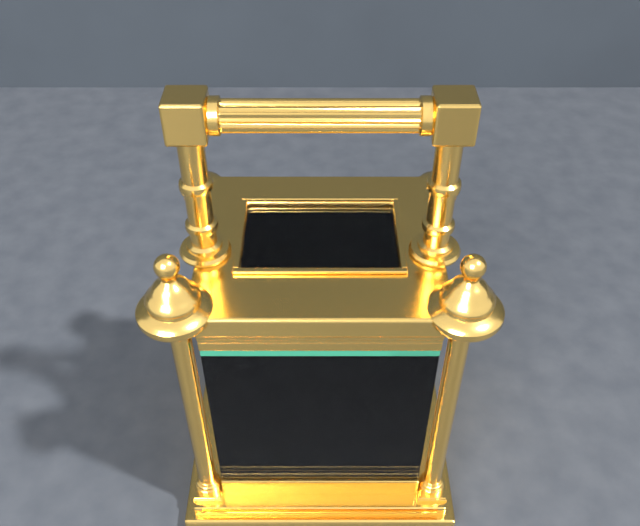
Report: 12:52
